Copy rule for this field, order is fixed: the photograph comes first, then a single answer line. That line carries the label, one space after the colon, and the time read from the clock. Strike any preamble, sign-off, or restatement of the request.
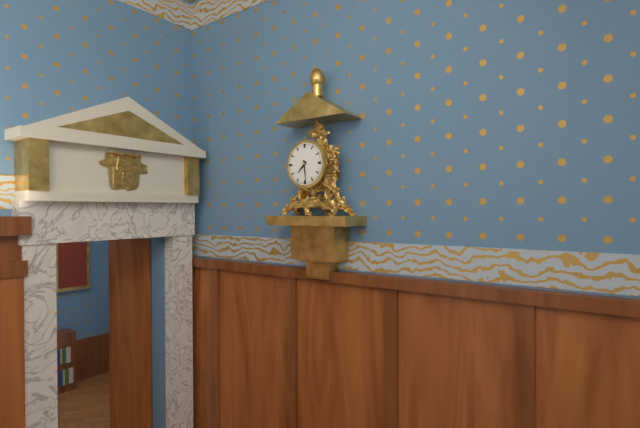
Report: 7:29
